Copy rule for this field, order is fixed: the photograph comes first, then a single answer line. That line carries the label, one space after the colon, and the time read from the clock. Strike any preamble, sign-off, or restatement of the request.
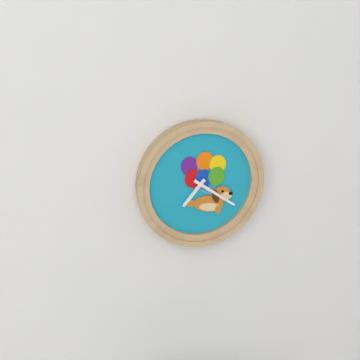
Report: 7:21
